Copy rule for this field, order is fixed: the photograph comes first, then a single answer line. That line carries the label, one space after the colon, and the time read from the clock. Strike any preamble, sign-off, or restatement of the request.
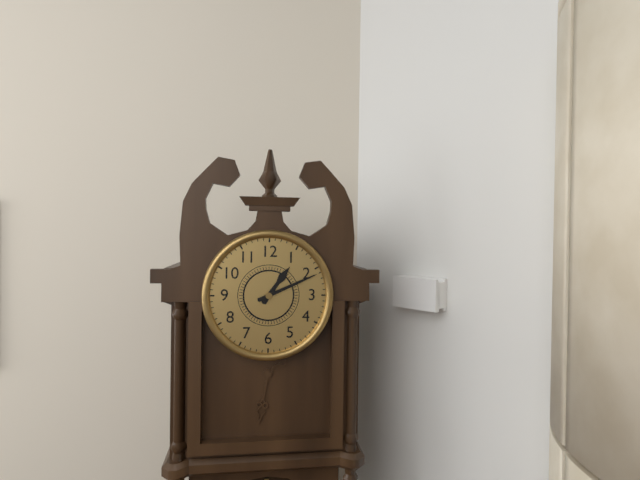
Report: 1:11
